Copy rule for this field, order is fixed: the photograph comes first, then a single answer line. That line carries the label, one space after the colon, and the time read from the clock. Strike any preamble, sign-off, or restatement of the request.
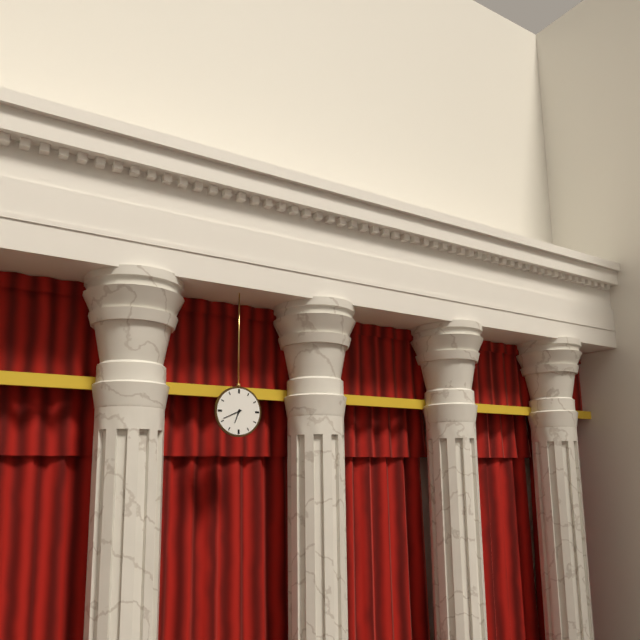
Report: 6:41
